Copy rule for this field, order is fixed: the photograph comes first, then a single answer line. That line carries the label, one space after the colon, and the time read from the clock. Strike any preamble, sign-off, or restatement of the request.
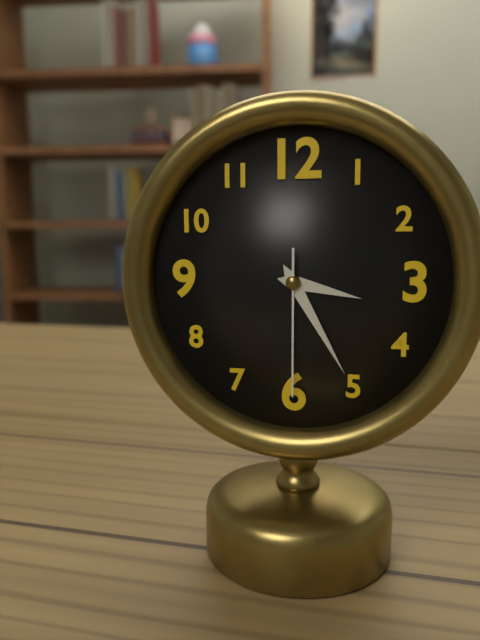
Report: 3:25:30
